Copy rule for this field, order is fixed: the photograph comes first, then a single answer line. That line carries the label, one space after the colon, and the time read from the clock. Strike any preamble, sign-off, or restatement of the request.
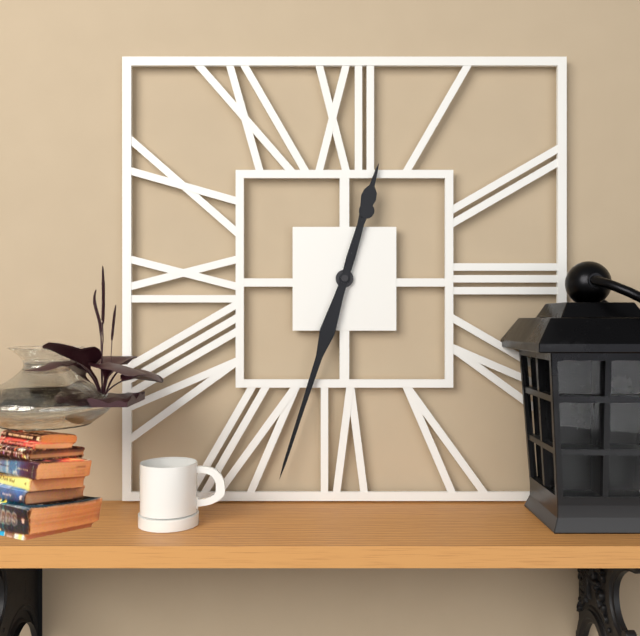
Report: 12:33
